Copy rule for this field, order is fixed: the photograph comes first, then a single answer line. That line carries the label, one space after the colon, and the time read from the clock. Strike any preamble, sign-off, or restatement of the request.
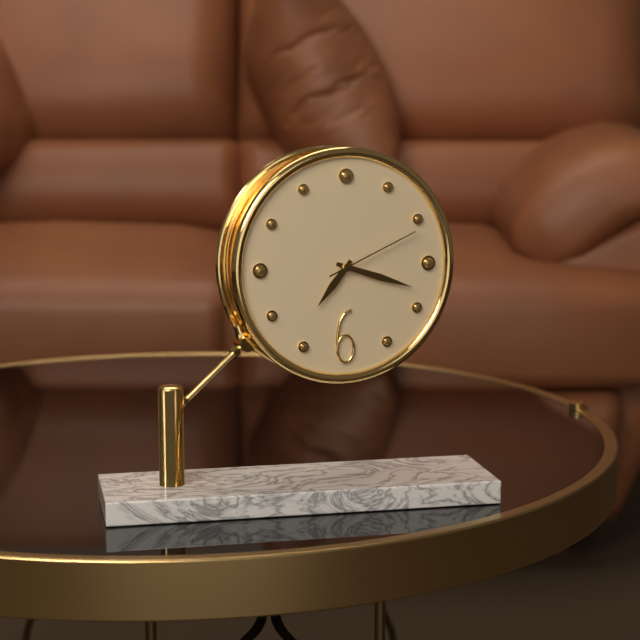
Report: 7:18:11
